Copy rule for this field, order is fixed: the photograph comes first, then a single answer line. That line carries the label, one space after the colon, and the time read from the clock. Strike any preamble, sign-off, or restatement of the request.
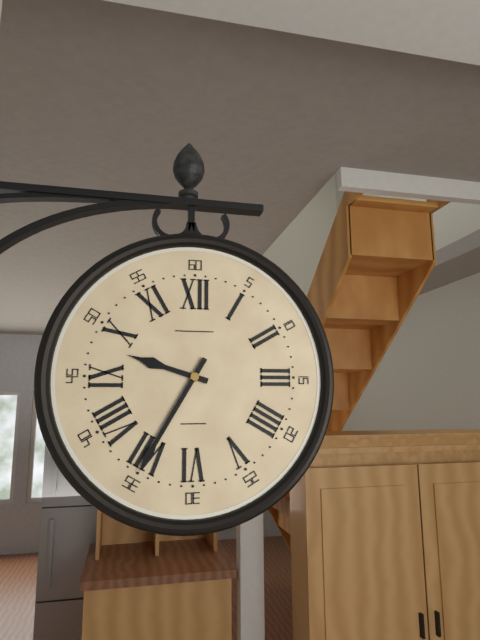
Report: 9:35
